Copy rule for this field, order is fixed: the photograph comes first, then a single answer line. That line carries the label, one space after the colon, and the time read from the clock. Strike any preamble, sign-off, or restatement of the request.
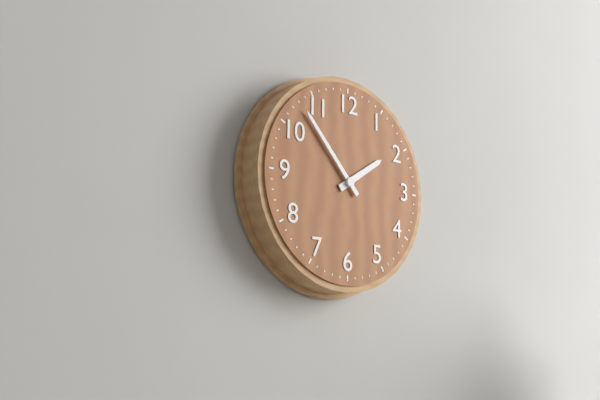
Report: 1:53
